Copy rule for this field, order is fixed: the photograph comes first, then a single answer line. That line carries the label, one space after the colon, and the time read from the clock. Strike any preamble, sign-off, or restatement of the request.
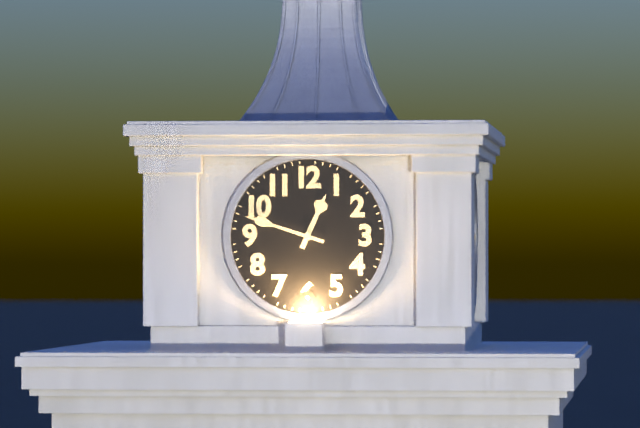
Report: 12:48
